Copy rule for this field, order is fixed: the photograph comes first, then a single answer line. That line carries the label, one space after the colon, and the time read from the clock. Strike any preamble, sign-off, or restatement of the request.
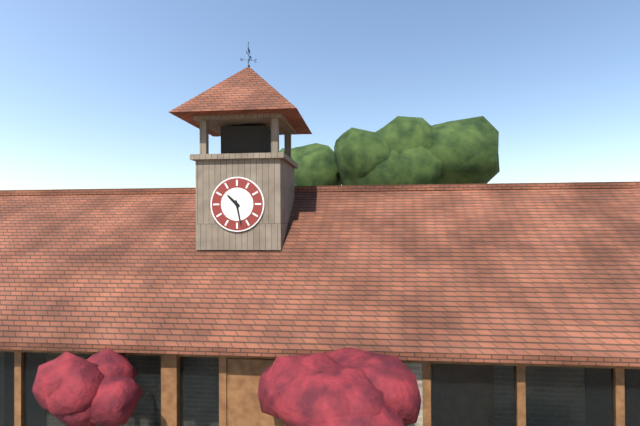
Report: 10:28
